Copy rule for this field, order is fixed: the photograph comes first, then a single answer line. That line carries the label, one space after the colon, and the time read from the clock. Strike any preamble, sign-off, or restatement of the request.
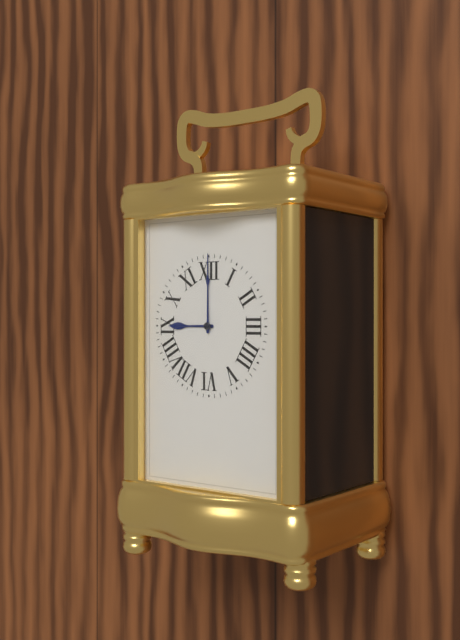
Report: 9:00
